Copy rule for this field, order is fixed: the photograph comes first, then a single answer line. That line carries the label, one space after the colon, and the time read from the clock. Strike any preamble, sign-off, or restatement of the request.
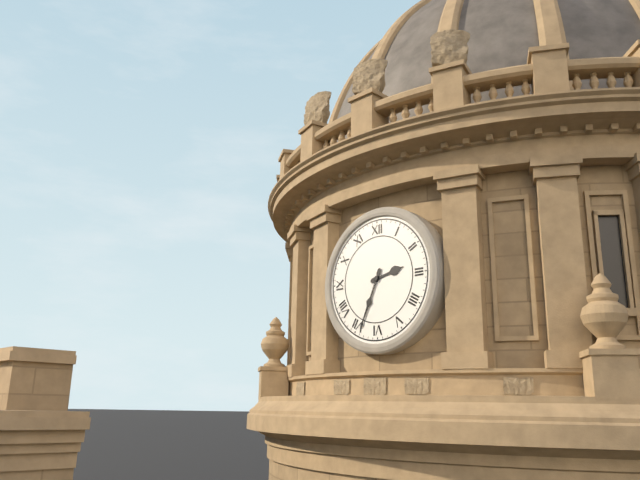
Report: 2:34
